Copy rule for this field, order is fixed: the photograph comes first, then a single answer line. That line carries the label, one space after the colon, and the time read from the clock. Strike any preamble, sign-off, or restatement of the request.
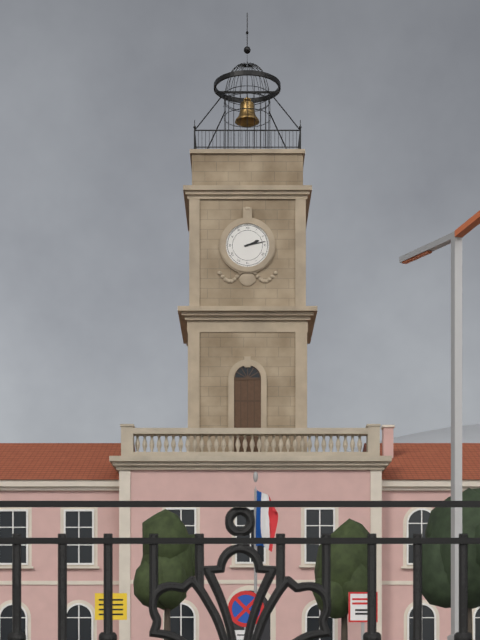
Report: 2:13
